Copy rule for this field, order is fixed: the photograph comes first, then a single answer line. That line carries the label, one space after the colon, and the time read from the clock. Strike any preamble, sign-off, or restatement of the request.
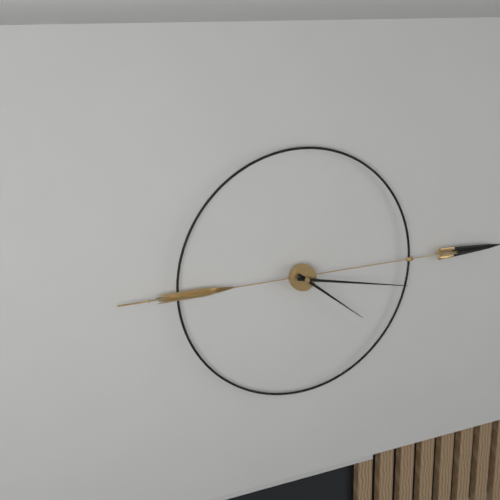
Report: 4:17
